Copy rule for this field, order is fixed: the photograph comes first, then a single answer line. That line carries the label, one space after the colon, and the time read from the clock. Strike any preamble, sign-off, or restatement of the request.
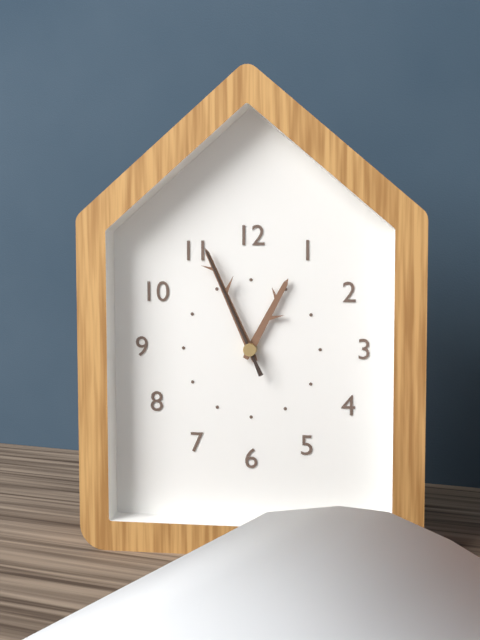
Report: 12:56:56
